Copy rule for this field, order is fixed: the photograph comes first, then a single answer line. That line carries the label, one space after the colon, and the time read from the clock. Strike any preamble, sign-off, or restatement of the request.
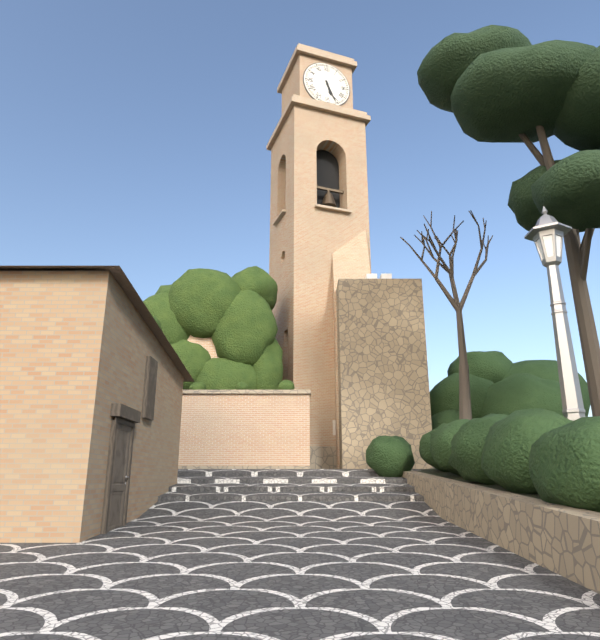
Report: 5:26
